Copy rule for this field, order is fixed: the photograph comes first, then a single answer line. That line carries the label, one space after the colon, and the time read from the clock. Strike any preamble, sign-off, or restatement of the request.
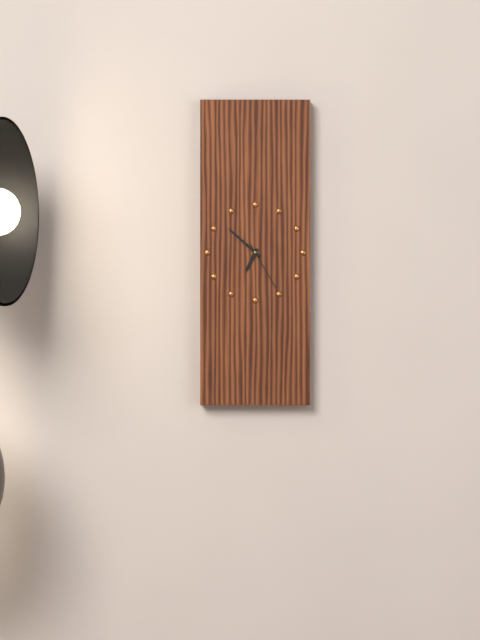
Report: 6:52:25
